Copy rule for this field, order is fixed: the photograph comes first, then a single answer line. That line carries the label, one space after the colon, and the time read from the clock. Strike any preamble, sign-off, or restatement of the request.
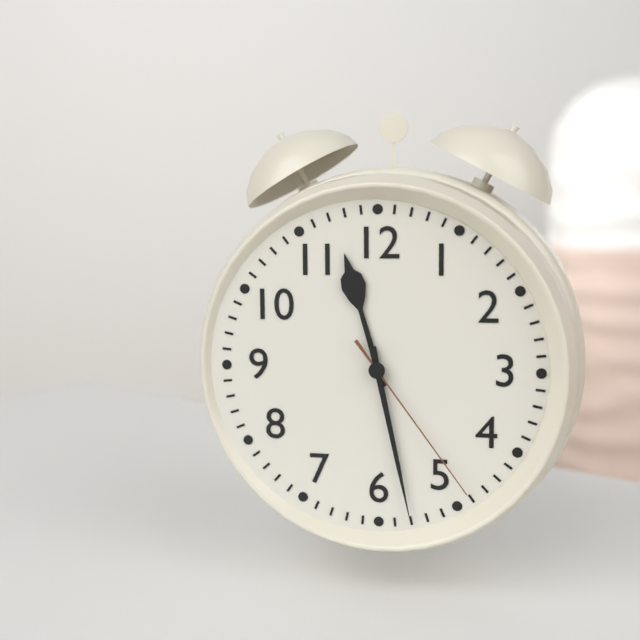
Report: 11:28:24
